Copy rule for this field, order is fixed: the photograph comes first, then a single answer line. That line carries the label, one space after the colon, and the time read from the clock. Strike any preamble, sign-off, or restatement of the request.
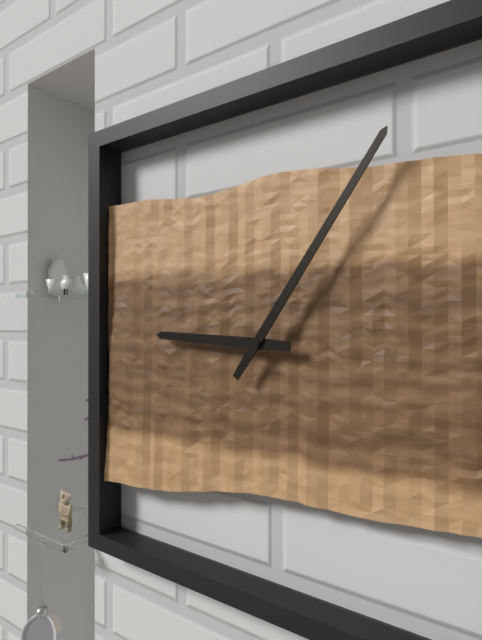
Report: 9:06
